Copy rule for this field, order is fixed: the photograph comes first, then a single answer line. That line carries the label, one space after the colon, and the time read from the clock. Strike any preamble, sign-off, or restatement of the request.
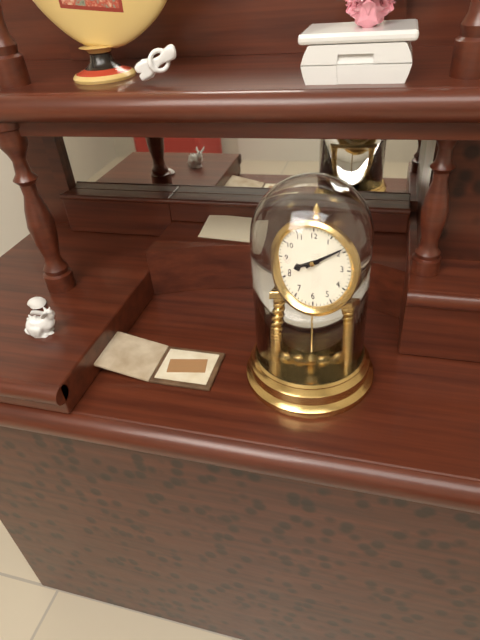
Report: 8:09
